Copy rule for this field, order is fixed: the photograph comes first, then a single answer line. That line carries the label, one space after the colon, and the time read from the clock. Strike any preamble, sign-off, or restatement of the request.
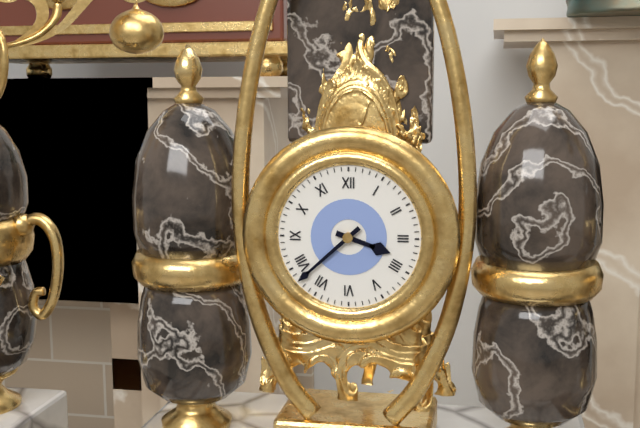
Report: 3:38
